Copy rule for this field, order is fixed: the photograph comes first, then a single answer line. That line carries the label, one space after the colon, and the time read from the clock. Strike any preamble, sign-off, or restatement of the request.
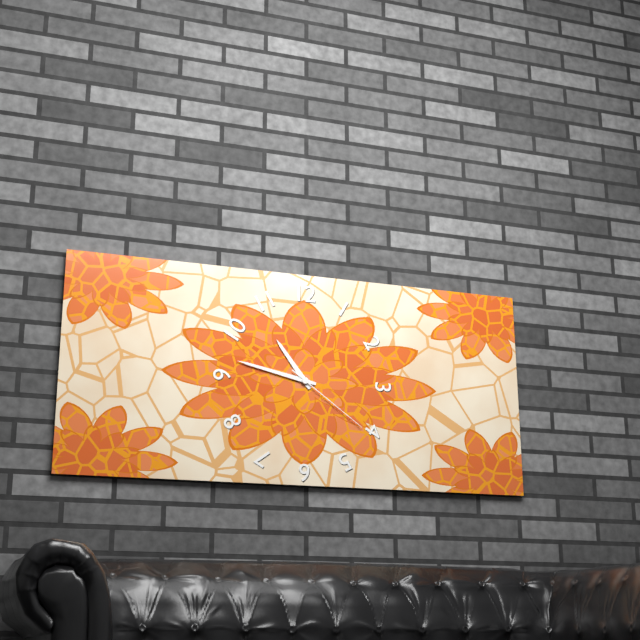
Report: 10:47:21
